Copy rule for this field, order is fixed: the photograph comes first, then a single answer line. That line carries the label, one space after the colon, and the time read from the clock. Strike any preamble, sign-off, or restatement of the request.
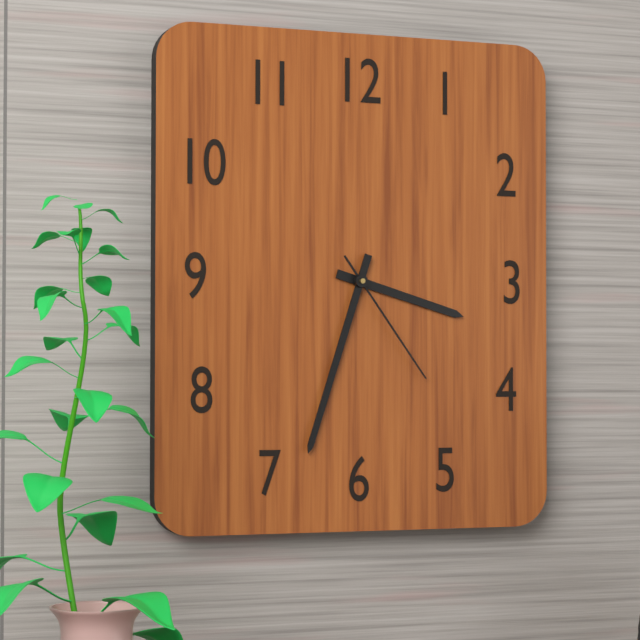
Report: 3:33:24
